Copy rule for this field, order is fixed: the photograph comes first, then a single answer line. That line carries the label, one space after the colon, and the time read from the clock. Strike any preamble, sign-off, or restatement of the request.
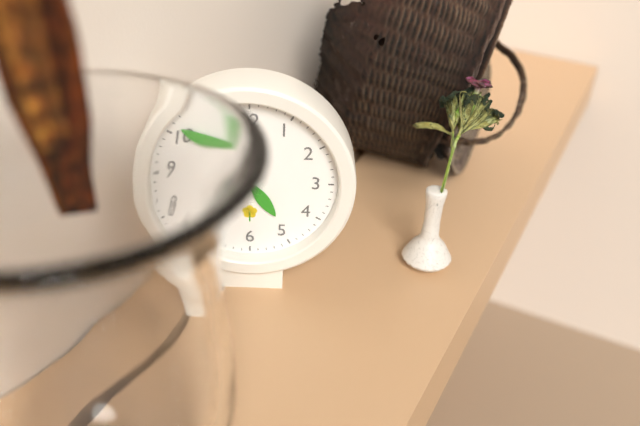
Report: 4:51
